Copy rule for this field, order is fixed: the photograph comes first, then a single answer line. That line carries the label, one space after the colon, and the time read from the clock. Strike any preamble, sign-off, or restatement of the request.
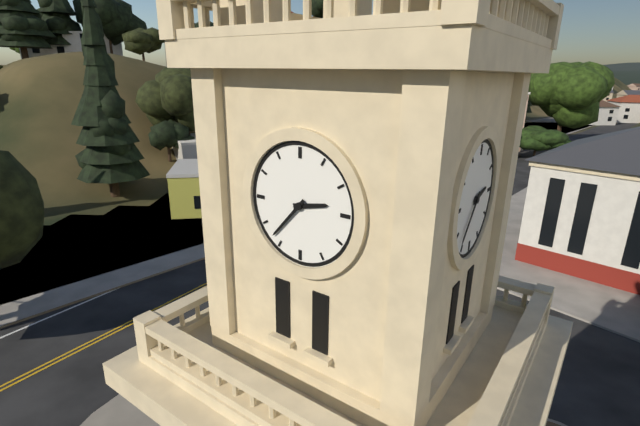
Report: 2:37
